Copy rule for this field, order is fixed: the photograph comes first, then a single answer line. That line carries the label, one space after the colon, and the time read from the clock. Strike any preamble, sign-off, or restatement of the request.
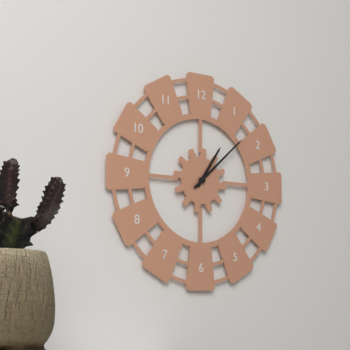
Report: 1:08
